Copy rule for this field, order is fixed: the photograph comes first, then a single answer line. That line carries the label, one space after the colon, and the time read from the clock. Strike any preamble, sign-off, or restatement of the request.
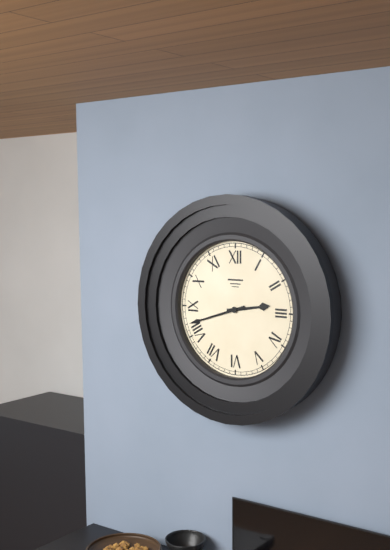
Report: 2:42
